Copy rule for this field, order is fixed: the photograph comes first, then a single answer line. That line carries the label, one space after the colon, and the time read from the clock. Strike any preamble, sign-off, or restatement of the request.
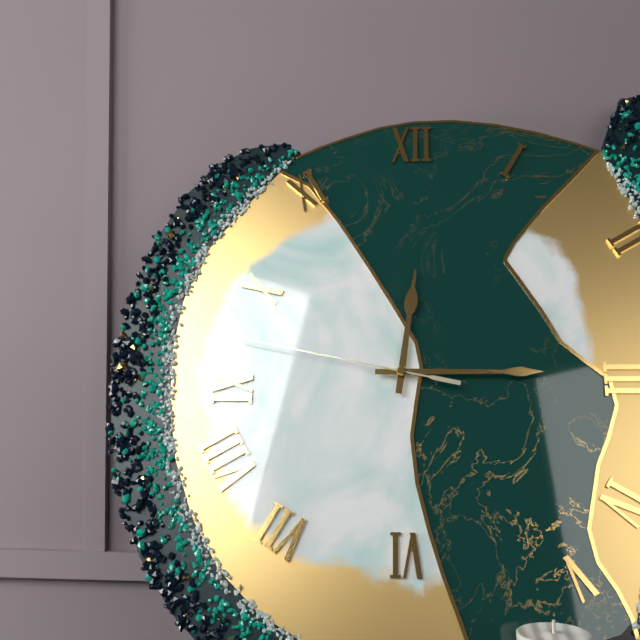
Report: 12:15:47
